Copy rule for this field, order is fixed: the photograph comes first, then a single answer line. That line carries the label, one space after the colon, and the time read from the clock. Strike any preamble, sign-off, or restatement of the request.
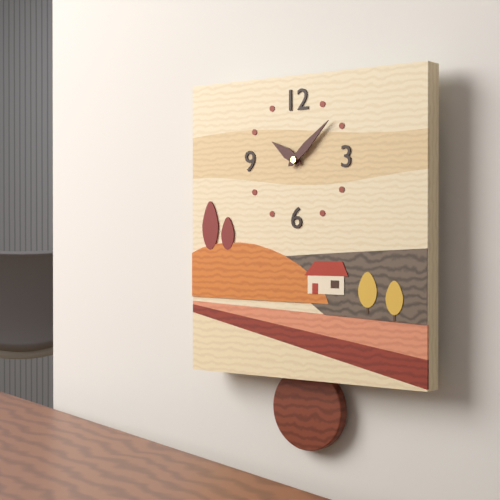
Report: 10:08
